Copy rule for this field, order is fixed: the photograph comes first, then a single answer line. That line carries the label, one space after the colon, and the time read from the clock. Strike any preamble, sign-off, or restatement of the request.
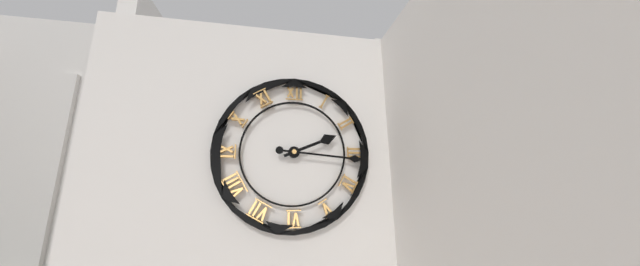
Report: 2:16
